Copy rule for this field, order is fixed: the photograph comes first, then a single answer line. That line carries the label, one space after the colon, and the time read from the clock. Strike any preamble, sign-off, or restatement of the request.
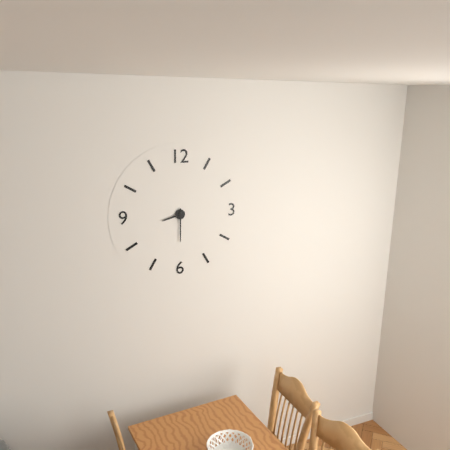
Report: 8:30
